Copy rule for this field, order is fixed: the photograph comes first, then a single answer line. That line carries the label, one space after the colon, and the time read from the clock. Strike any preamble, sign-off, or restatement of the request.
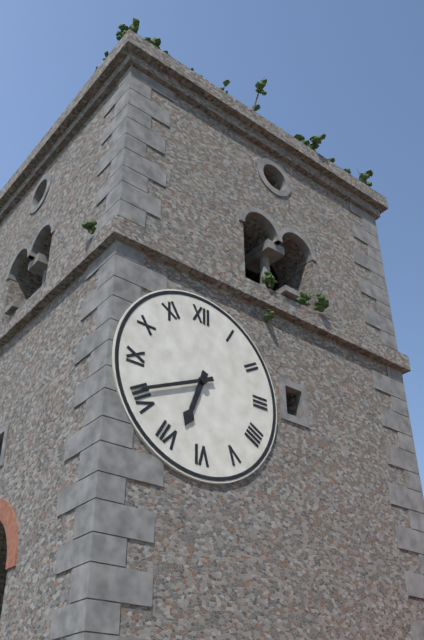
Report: 6:41
